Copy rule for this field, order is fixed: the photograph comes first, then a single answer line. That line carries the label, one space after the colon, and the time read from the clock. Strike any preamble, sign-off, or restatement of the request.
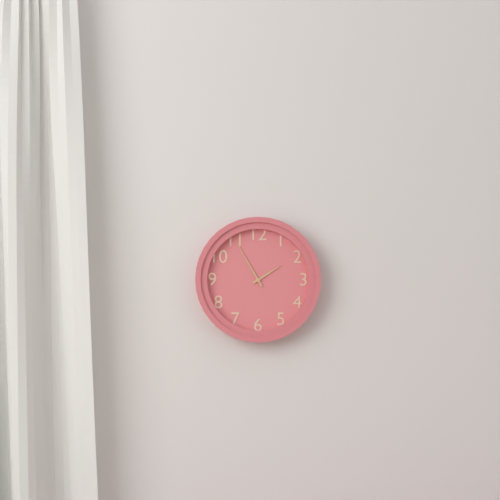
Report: 1:55
